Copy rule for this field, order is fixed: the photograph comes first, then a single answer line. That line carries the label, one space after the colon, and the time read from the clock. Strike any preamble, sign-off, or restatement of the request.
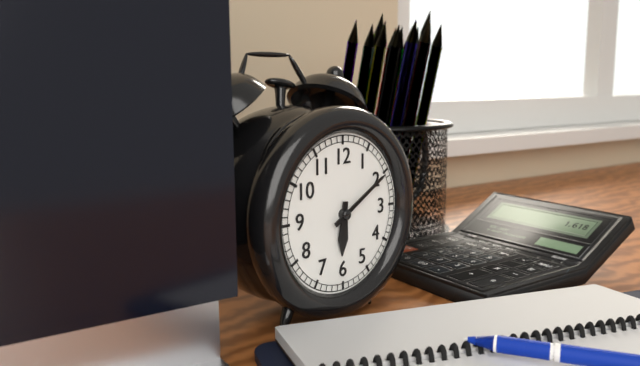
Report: 6:10
